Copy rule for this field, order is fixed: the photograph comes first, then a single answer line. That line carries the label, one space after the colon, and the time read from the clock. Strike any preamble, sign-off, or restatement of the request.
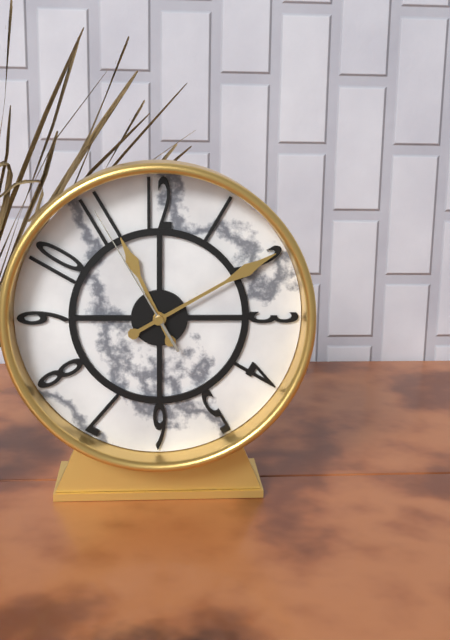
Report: 11:10:55
